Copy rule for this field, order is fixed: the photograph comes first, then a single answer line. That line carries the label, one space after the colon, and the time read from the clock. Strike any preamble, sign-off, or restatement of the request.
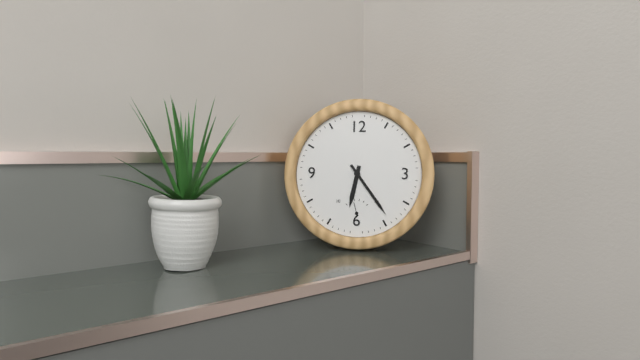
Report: 6:24
